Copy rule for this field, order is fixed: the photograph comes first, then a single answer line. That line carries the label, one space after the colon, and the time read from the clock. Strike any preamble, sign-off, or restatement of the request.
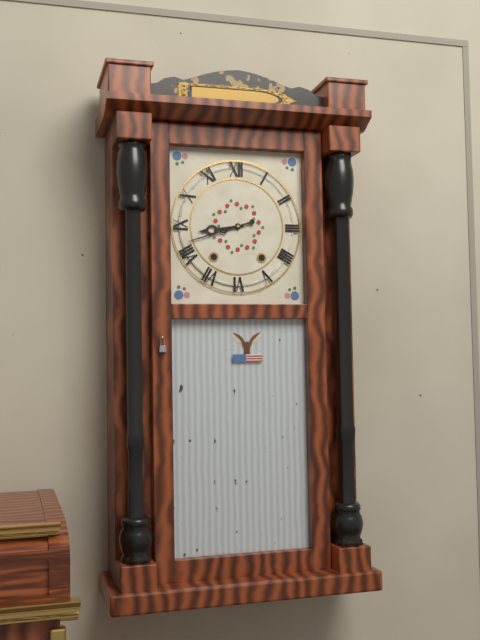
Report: 8:42
